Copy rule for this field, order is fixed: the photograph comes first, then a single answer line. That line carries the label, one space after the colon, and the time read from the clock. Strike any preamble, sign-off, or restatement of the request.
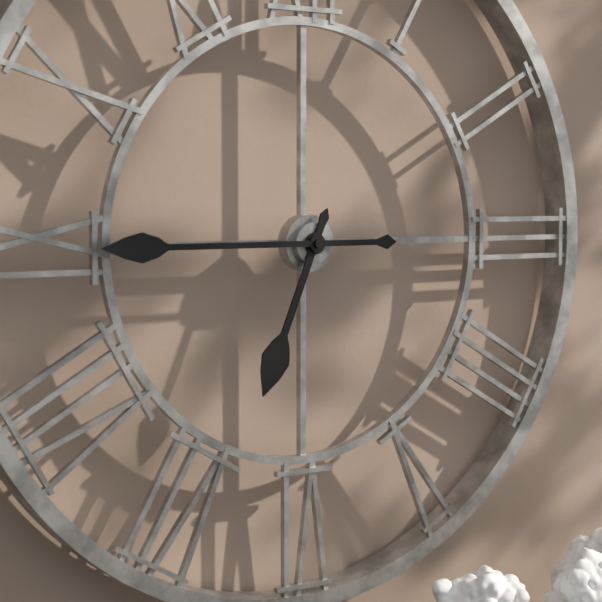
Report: 6:45
